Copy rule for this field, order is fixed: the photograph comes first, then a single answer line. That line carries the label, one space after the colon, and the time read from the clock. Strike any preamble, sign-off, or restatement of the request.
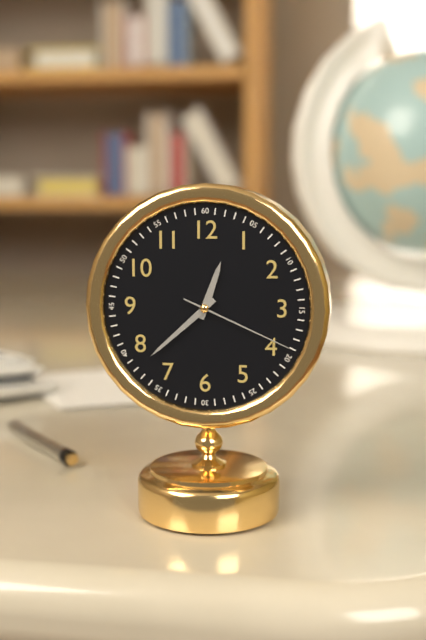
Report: 12:38:19
